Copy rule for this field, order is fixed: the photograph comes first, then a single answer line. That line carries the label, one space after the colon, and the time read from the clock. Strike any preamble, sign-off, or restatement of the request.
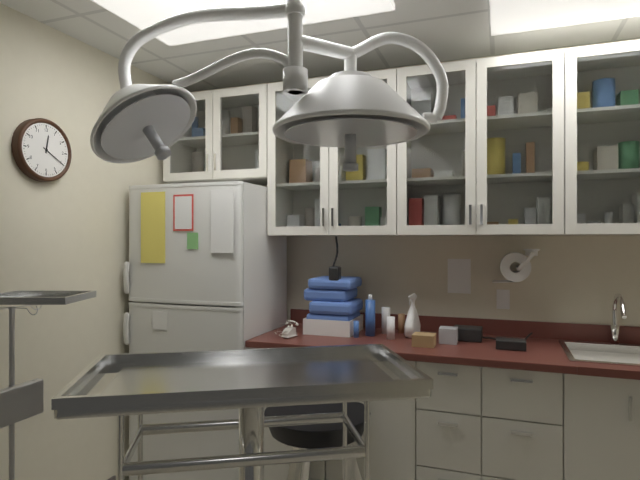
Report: 12:20
